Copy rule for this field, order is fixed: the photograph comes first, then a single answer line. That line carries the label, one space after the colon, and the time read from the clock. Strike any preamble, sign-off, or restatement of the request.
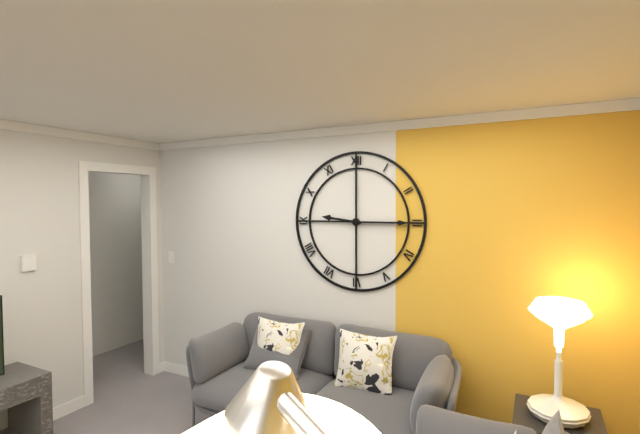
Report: 9:15
